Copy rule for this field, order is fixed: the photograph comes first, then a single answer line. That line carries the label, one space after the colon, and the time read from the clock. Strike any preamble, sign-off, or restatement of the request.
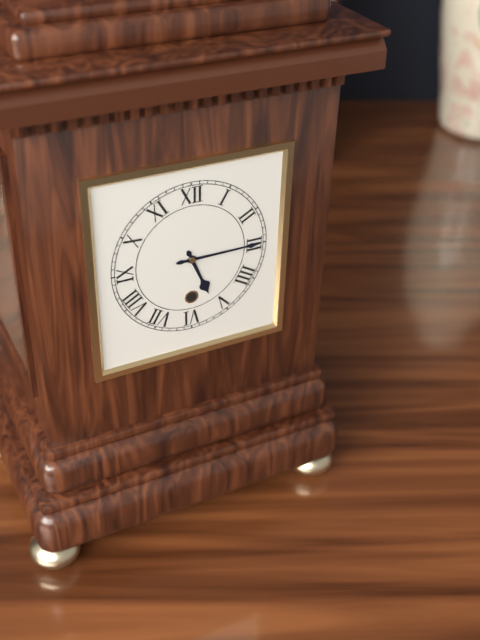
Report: 5:15
